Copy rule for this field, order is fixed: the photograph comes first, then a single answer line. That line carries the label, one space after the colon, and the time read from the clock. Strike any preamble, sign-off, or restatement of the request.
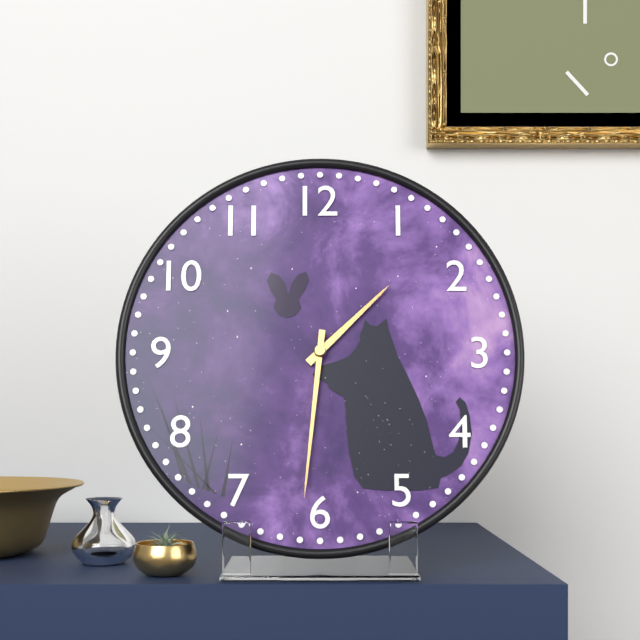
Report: 1:31
